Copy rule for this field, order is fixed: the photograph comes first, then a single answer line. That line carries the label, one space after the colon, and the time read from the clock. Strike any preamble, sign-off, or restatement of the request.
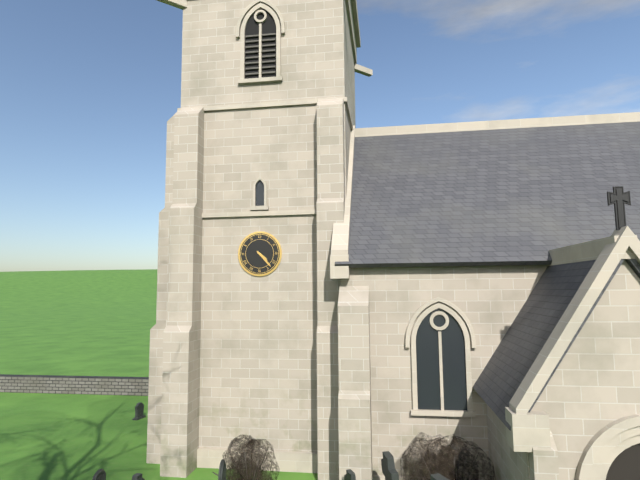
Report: 4:23
